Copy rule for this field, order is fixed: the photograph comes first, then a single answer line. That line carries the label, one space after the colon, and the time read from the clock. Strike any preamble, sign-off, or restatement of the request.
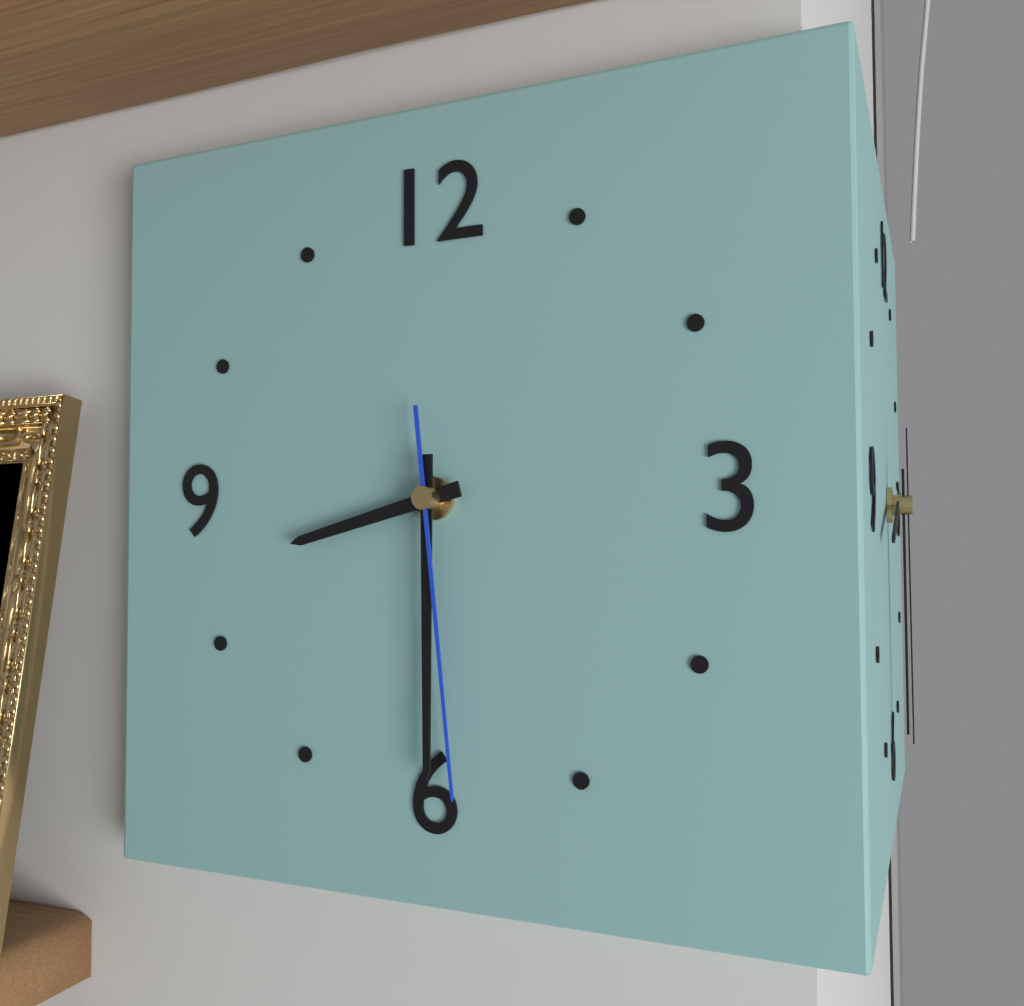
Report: 8:30:29
